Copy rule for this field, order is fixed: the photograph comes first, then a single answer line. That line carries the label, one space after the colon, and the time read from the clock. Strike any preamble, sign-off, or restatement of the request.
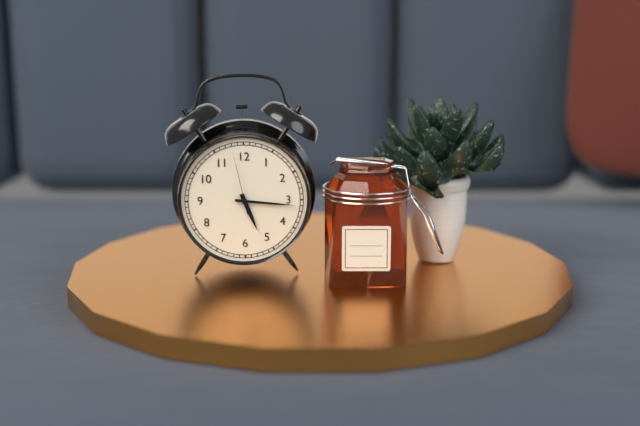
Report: 5:16:58
